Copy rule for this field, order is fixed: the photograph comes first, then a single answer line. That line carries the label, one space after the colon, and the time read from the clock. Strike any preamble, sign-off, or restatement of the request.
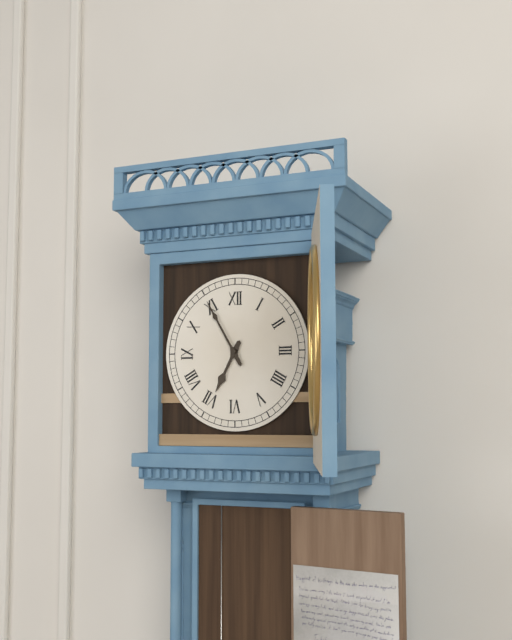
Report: 6:55
